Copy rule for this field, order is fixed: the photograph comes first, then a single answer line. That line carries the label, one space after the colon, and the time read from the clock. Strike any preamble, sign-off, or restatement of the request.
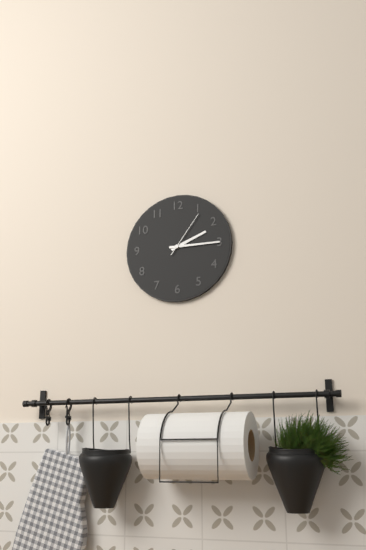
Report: 2:15
